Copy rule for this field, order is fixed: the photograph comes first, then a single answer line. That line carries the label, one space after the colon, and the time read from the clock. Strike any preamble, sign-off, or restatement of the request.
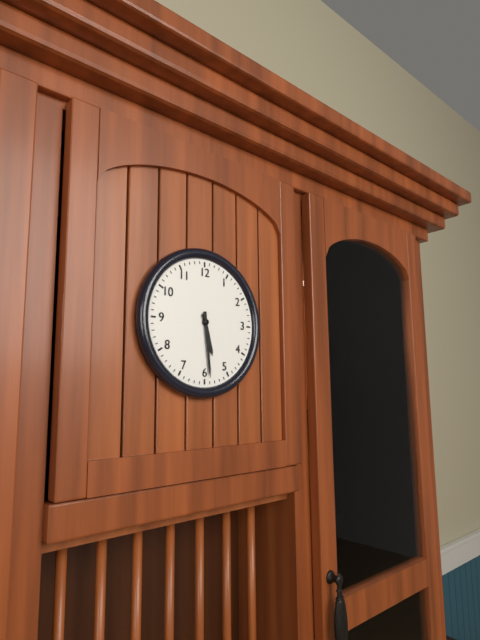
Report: 5:29
